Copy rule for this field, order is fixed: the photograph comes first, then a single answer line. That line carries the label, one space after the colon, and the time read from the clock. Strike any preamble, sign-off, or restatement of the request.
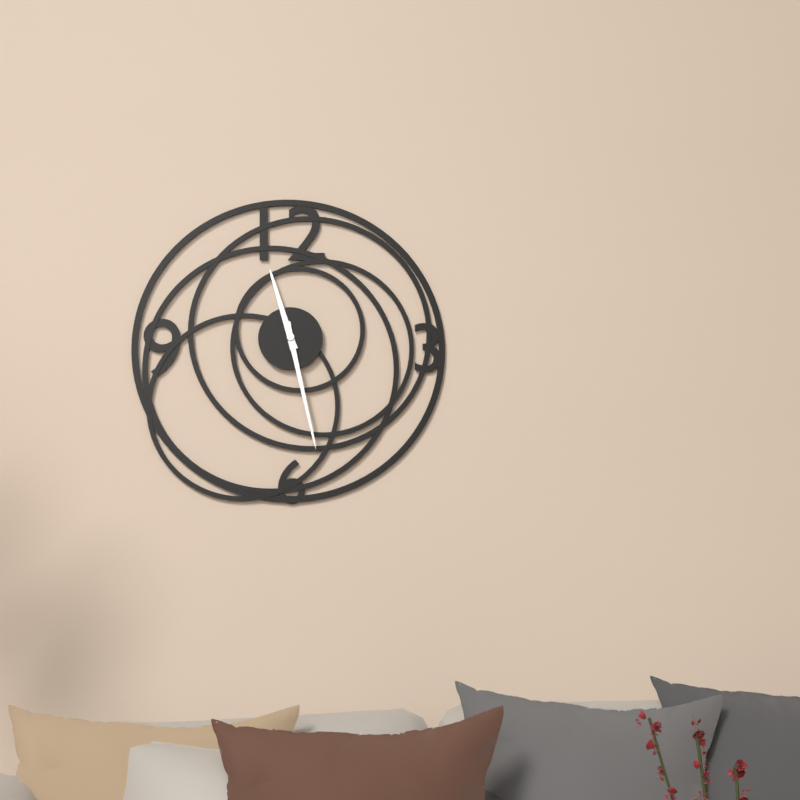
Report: 11:28
